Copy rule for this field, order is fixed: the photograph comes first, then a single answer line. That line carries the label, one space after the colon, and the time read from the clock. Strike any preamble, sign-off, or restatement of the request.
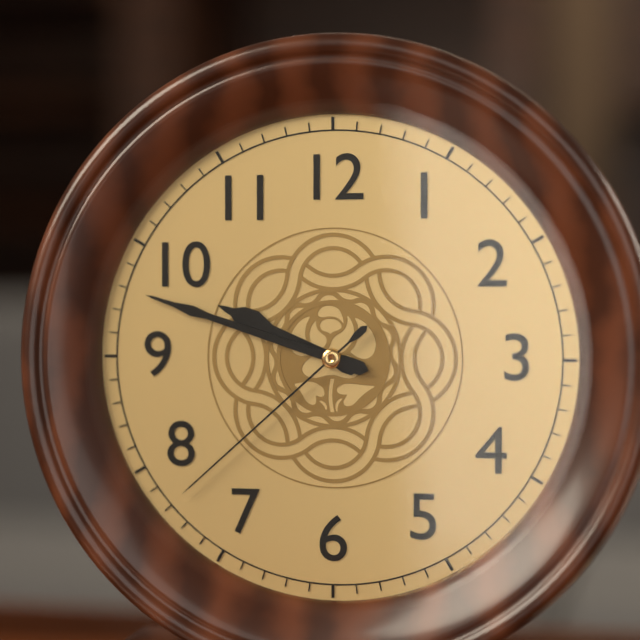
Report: 9:48:38
